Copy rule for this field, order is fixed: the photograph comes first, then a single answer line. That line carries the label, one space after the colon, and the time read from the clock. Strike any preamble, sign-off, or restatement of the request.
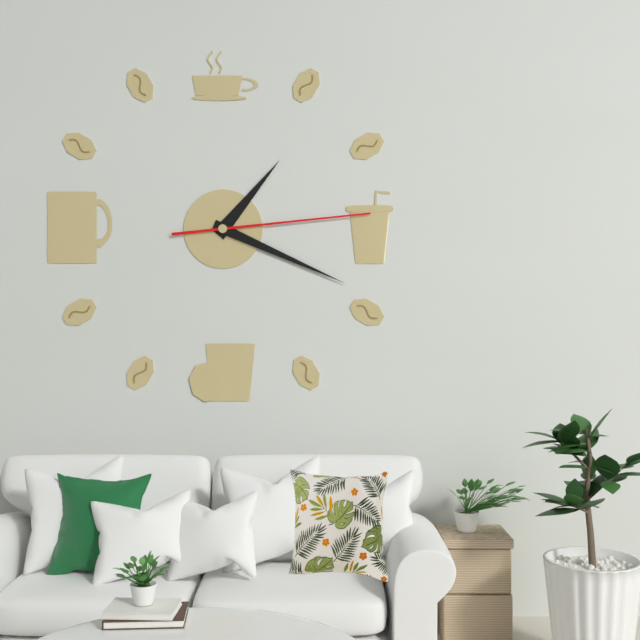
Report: 1:19:14
